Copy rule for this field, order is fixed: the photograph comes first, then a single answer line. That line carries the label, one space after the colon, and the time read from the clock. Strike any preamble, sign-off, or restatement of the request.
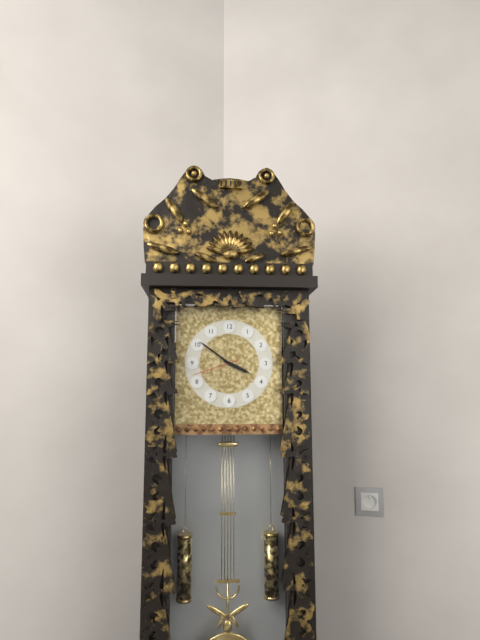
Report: 3:51:42
